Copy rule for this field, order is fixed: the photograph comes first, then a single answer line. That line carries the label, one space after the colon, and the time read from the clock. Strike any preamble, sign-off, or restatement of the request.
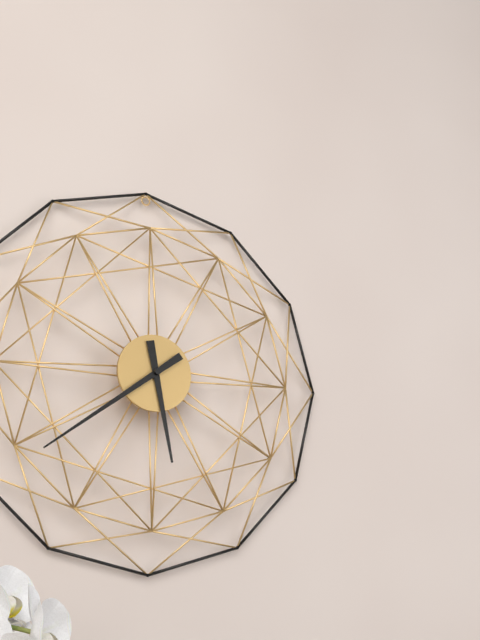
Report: 5:39
